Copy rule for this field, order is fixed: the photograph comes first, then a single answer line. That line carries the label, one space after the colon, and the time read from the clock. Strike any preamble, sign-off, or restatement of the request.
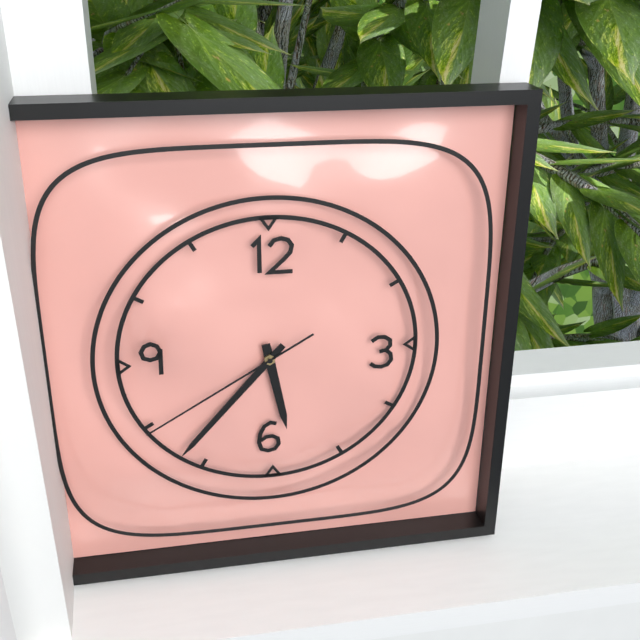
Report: 5:37:40
